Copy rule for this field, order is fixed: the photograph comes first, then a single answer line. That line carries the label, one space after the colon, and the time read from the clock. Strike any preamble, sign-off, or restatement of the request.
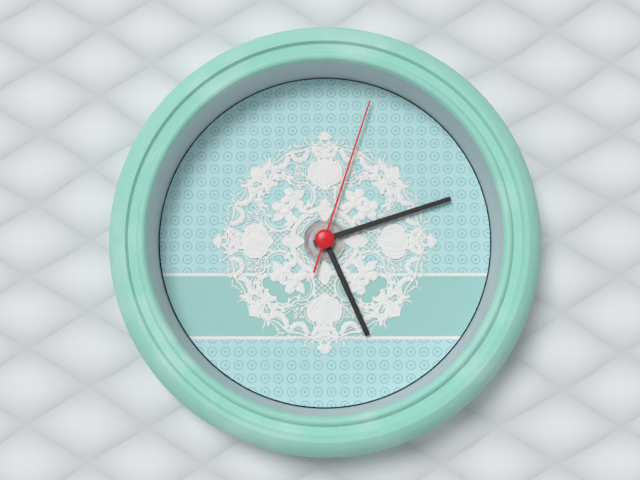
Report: 5:12:03
